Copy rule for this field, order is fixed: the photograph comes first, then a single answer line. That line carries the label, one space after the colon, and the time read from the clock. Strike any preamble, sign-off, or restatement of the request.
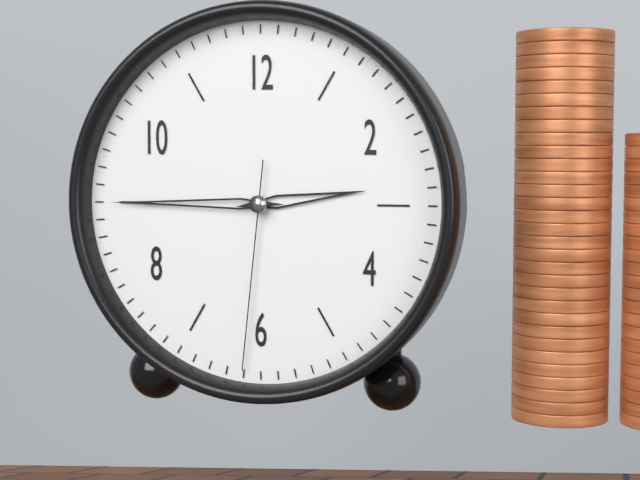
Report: 2:45:31
